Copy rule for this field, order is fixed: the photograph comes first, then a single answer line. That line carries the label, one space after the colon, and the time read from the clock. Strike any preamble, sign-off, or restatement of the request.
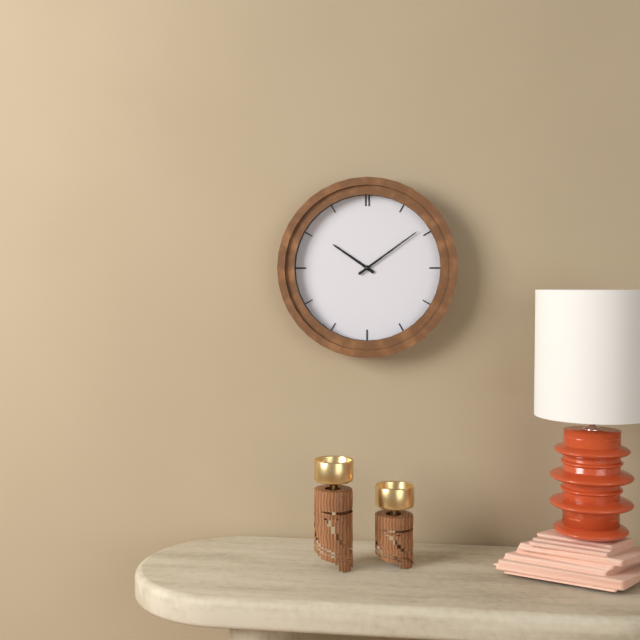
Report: 10:09
